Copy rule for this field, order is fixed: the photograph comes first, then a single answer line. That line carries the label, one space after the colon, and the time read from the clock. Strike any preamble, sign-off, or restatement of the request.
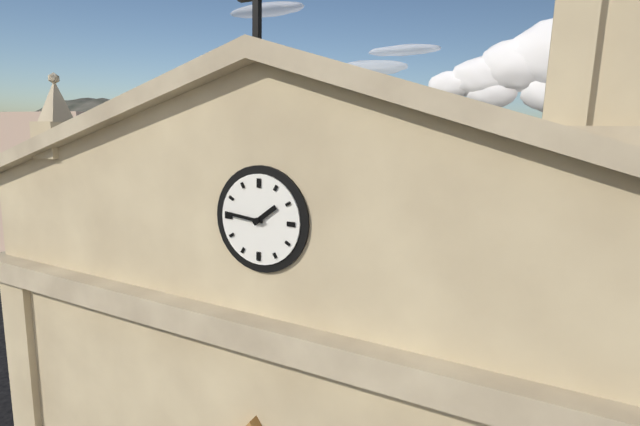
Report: 1:46
